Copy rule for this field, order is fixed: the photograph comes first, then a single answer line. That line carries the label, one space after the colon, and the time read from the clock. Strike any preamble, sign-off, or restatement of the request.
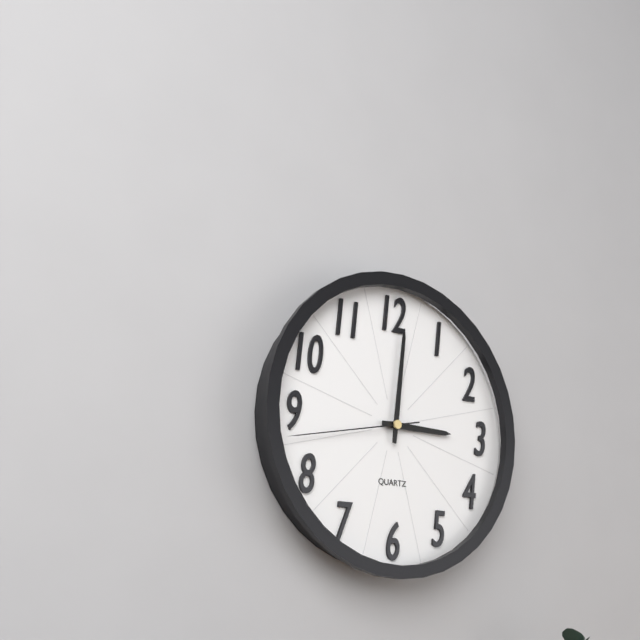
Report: 3:01:43
